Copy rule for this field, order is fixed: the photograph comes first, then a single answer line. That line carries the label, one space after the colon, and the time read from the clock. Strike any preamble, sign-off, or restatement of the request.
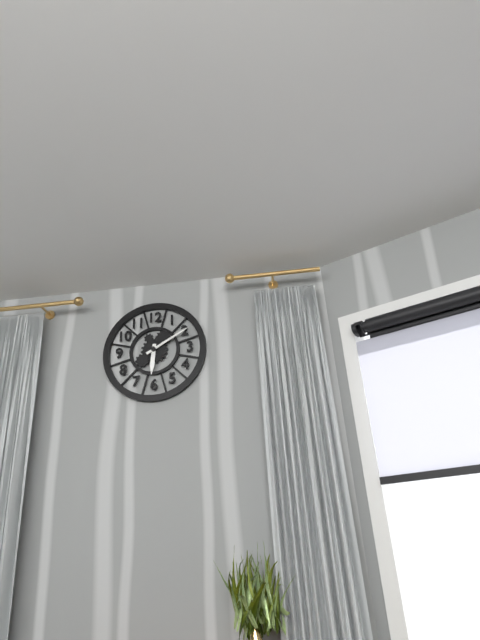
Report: 6:10
